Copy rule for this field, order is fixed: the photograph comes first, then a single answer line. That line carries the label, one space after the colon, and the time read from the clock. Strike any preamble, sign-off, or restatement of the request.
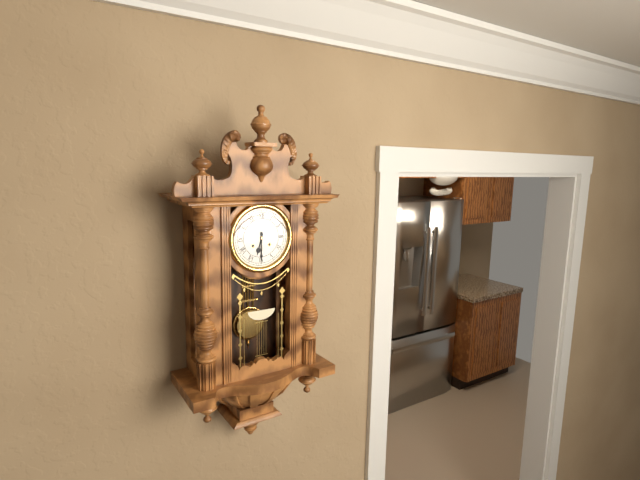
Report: 6:30
